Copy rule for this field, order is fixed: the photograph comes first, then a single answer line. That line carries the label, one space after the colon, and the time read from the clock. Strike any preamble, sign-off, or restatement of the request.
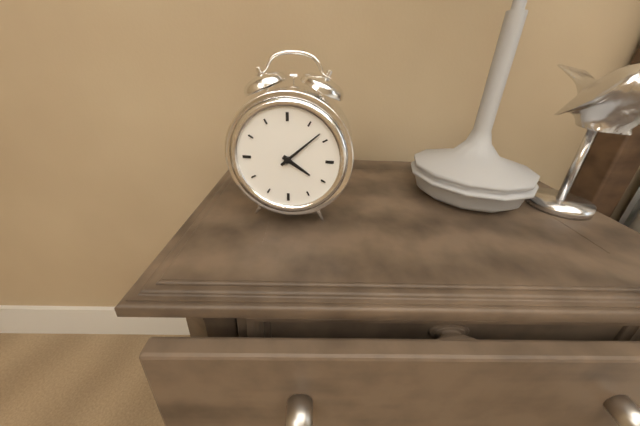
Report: 4:08
